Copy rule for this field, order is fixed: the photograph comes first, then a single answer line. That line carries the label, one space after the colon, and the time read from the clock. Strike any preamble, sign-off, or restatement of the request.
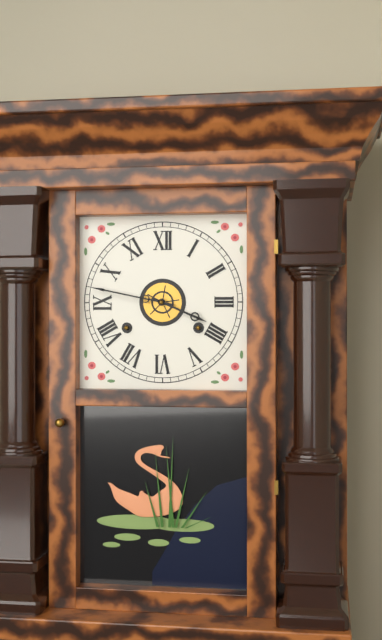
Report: 3:47
